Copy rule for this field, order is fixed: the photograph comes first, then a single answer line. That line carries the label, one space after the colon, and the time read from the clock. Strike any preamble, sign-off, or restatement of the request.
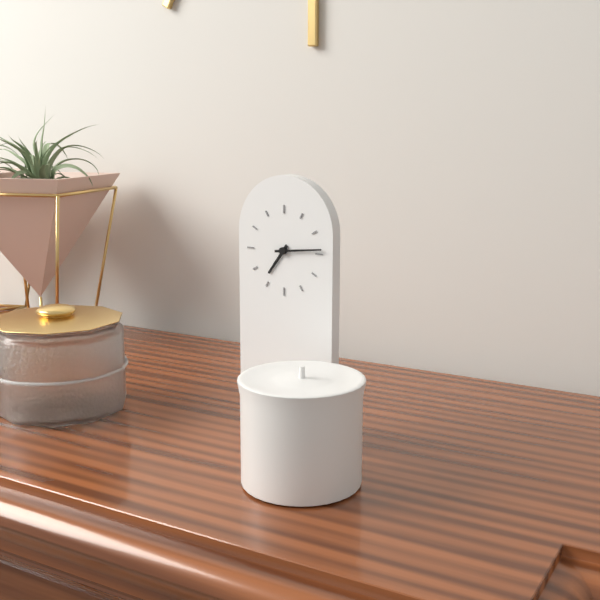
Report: 7:14
